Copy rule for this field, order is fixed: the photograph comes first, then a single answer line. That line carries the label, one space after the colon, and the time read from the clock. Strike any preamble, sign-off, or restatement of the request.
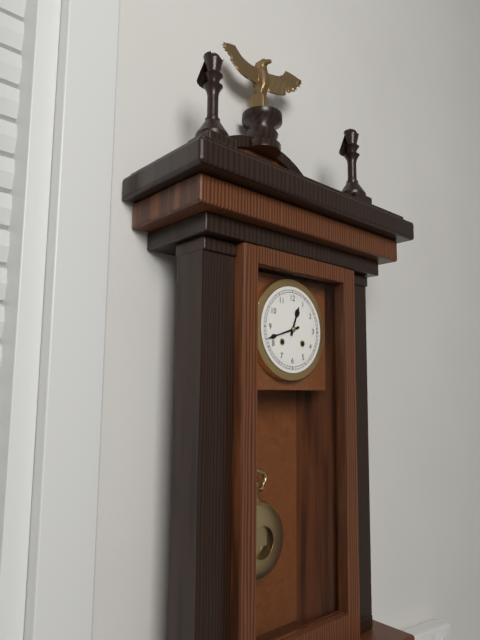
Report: 12:42
